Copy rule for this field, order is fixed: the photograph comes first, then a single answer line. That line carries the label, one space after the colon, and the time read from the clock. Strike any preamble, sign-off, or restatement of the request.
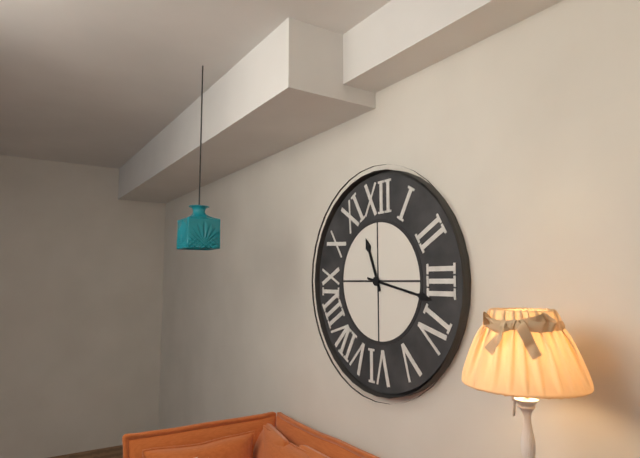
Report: 11:17
